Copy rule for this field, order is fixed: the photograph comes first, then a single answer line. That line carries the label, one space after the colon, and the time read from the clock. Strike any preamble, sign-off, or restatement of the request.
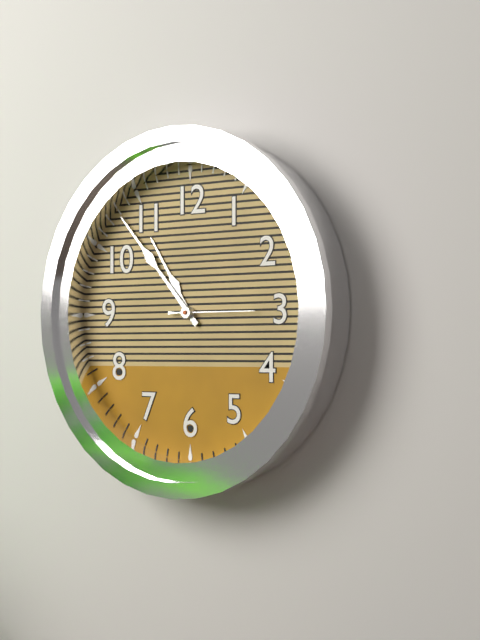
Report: 10:53:15
